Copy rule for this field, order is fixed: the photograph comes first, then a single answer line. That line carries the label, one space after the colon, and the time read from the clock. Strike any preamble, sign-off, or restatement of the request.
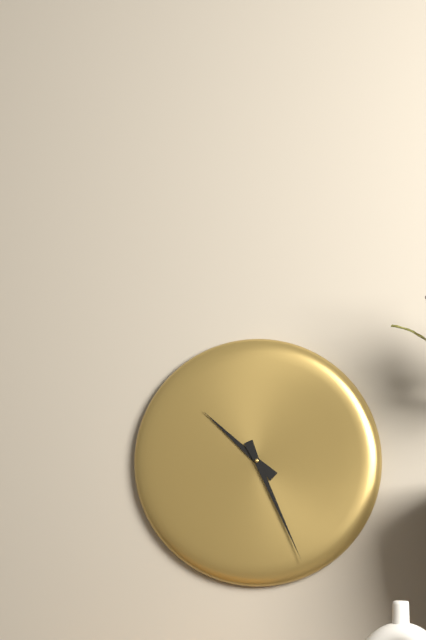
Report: 10:26
